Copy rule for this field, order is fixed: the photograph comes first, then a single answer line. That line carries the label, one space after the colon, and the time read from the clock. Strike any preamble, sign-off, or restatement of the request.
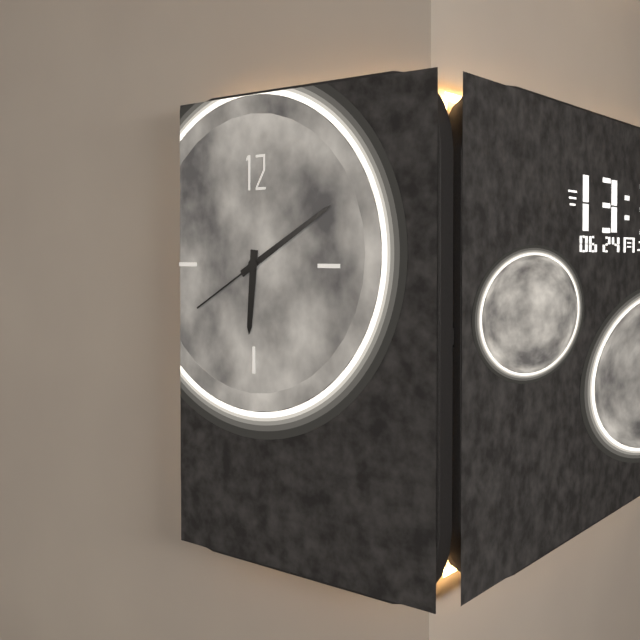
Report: 6:10:40
